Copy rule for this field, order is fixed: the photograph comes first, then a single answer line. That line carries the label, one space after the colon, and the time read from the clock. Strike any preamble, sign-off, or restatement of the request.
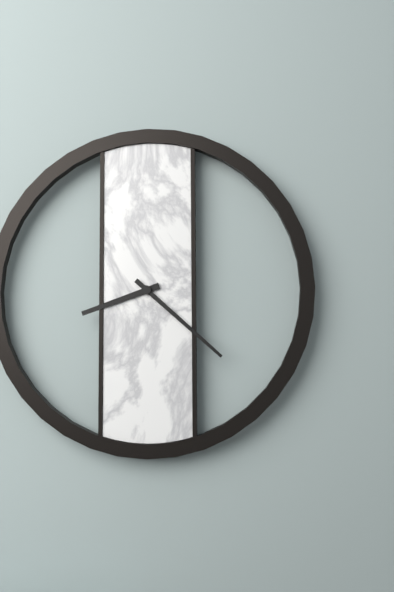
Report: 8:22
